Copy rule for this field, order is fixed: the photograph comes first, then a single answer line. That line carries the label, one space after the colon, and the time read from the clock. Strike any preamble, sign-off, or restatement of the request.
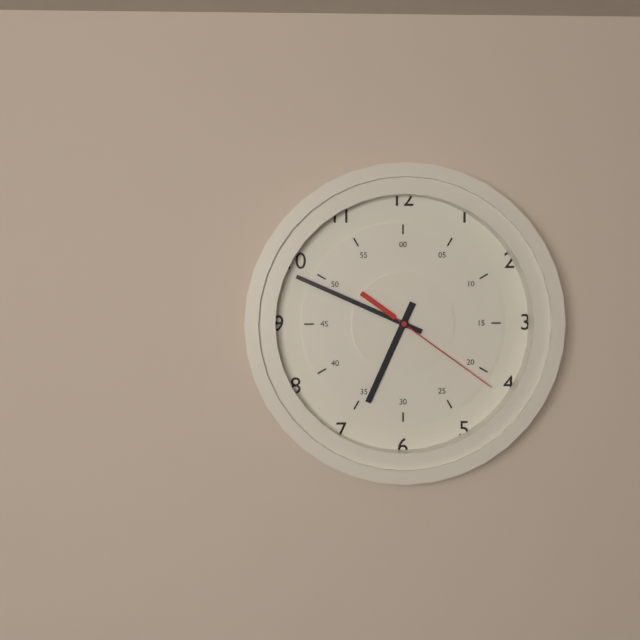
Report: 6:49:21
